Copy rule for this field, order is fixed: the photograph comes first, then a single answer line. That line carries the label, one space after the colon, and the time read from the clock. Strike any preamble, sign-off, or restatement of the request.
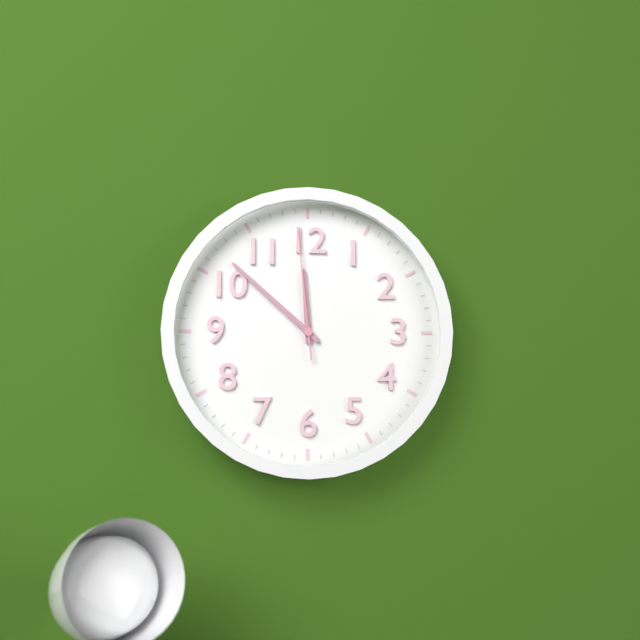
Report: 11:52:59
